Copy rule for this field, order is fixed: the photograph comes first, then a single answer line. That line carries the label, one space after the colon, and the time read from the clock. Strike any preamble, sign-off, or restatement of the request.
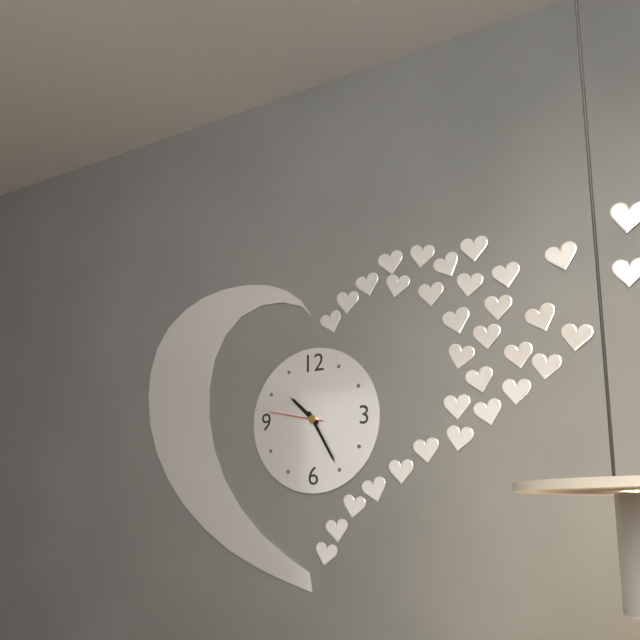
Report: 10:25:47
